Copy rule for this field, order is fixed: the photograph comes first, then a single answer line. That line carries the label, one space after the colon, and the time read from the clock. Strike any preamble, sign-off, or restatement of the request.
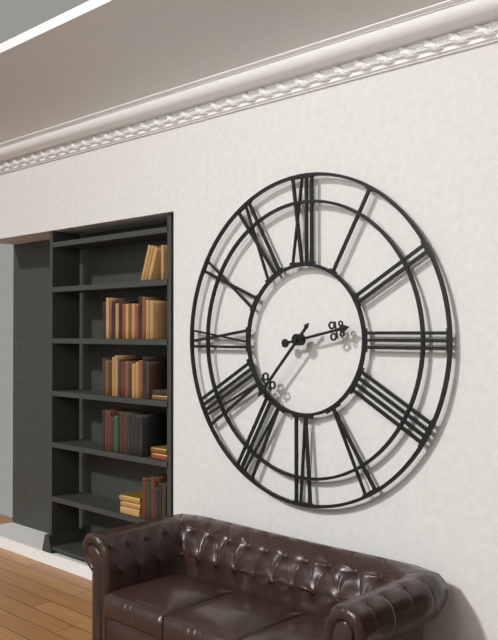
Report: 2:37
